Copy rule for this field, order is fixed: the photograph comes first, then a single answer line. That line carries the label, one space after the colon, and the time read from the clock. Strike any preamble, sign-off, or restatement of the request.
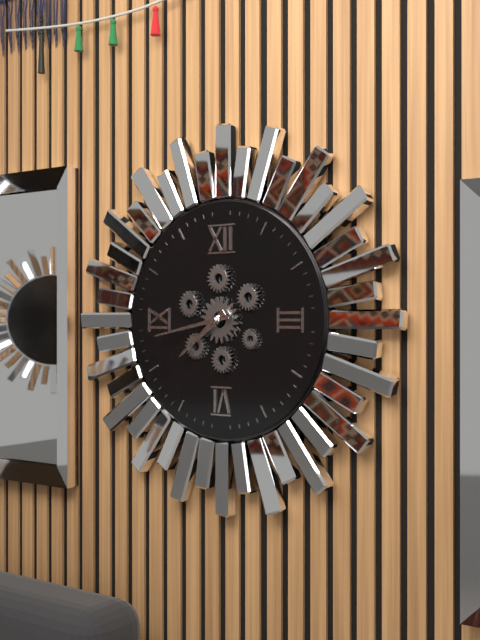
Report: 7:43
